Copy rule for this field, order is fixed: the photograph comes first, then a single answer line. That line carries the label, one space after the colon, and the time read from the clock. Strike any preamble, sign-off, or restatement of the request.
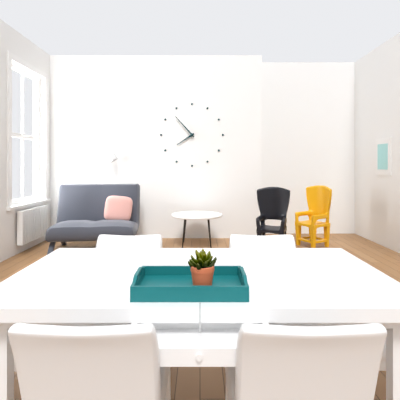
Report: 7:53
